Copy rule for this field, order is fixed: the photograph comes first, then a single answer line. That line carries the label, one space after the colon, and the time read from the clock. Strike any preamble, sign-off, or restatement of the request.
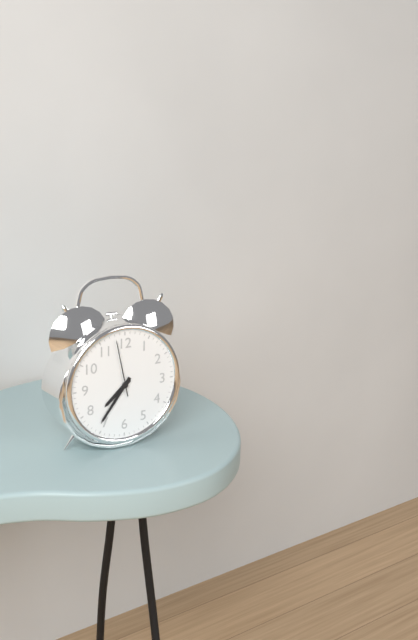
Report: 7:36:58
